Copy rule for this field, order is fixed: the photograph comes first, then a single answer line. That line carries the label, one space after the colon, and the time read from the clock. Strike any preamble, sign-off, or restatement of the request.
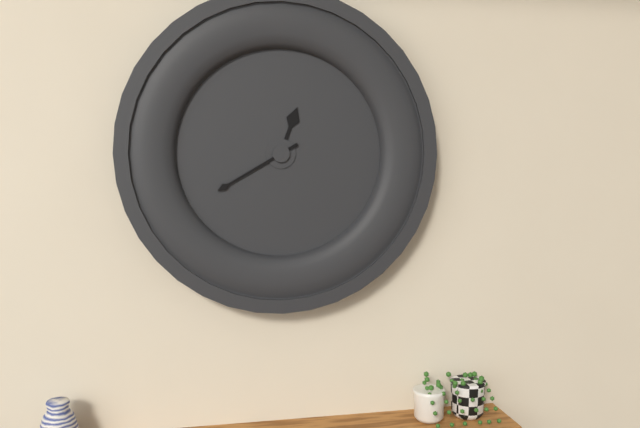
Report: 12:40
